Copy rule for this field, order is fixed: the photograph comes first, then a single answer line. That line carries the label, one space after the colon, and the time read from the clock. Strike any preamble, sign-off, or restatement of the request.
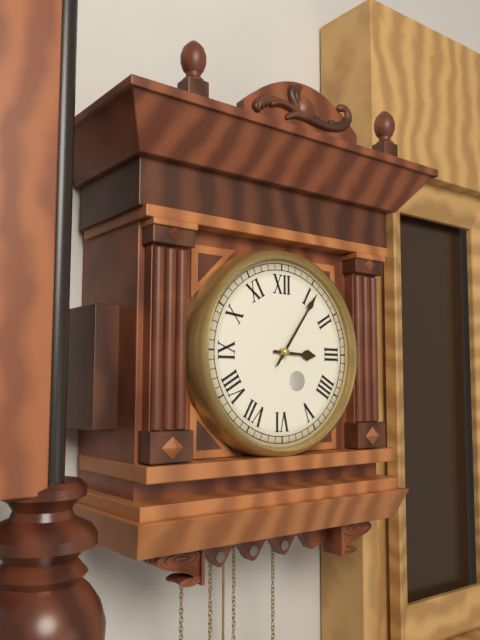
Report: 3:06
